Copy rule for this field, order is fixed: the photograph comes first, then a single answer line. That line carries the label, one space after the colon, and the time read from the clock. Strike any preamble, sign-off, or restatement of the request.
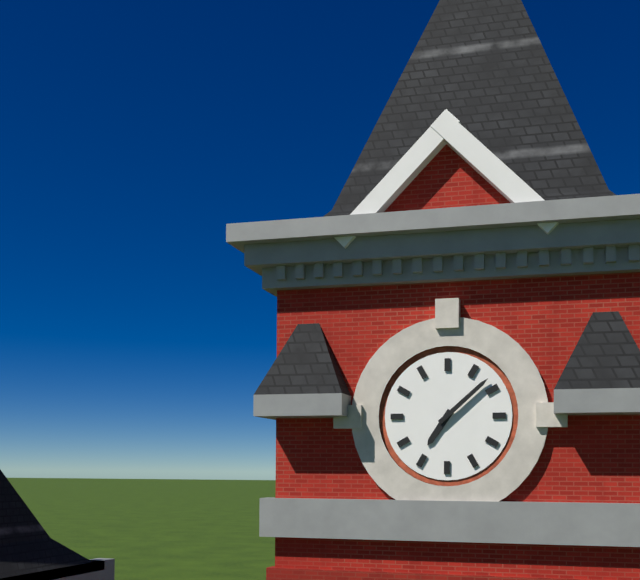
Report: 7:08
